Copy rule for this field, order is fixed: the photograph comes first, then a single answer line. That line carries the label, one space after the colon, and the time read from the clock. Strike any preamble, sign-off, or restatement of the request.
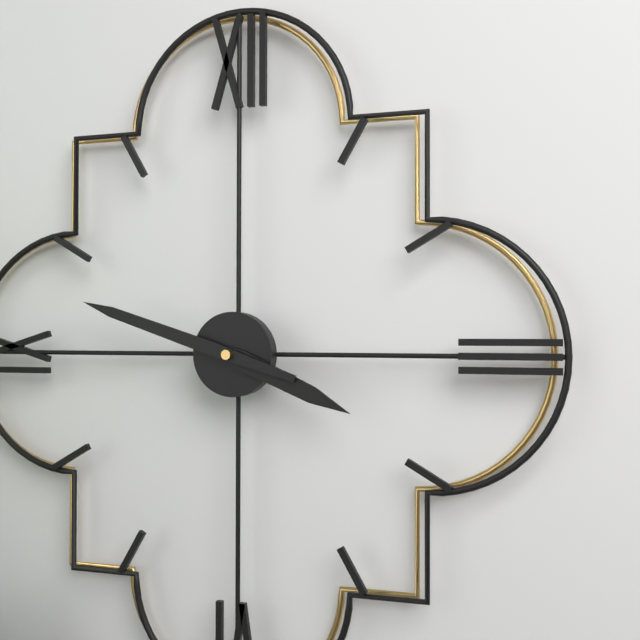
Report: 3:48
